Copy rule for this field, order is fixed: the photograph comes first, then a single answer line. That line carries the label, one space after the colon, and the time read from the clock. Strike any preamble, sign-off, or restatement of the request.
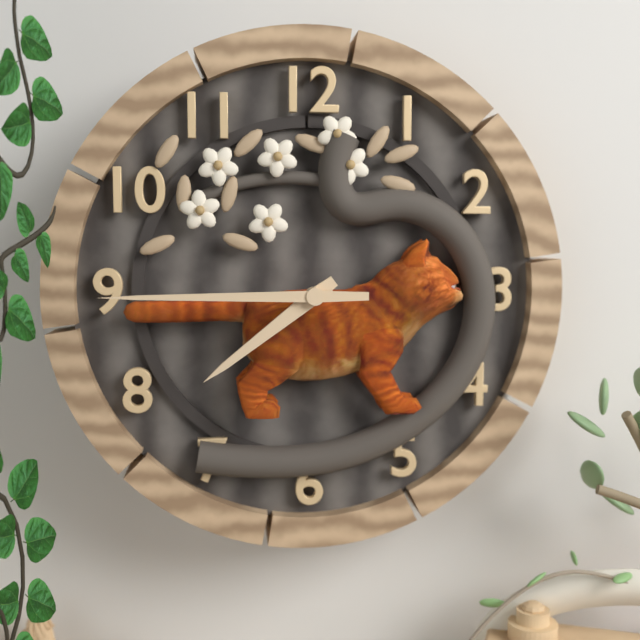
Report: 7:45
